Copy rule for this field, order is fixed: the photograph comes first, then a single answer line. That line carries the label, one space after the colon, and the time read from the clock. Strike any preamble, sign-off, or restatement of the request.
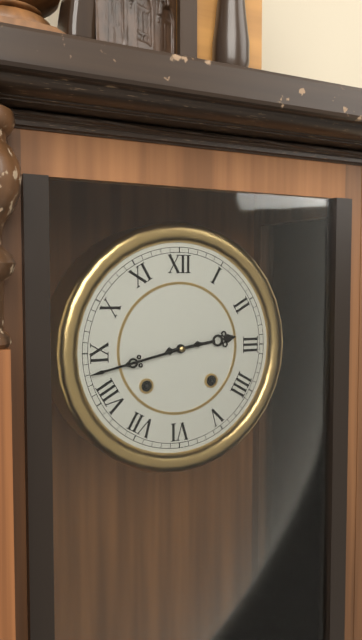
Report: 2:43
